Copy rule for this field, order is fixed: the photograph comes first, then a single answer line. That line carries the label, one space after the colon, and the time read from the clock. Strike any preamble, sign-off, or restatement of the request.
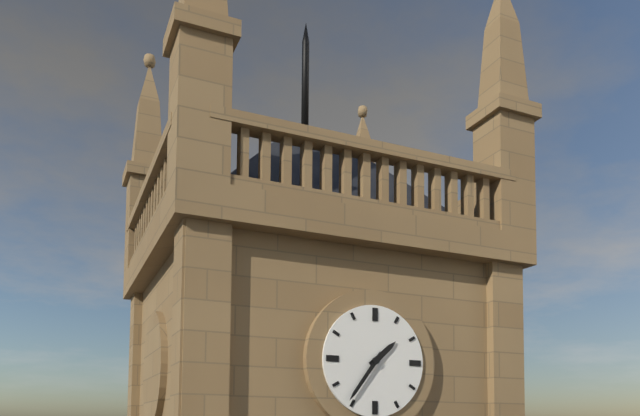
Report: 1:36
